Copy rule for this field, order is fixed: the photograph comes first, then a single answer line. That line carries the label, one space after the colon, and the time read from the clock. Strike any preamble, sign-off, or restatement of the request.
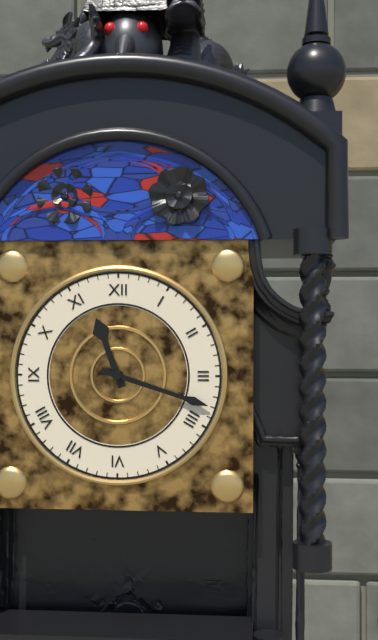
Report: 11:18
